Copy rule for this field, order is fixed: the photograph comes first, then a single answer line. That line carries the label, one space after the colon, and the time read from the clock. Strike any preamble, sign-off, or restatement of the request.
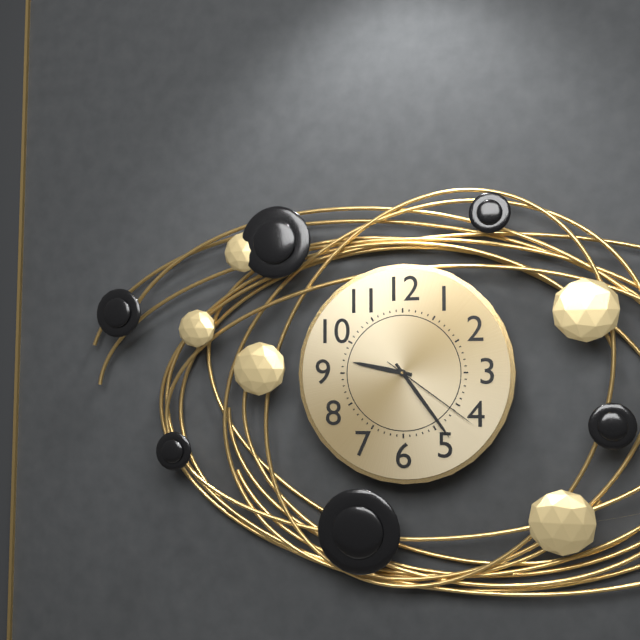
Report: 9:24:21
